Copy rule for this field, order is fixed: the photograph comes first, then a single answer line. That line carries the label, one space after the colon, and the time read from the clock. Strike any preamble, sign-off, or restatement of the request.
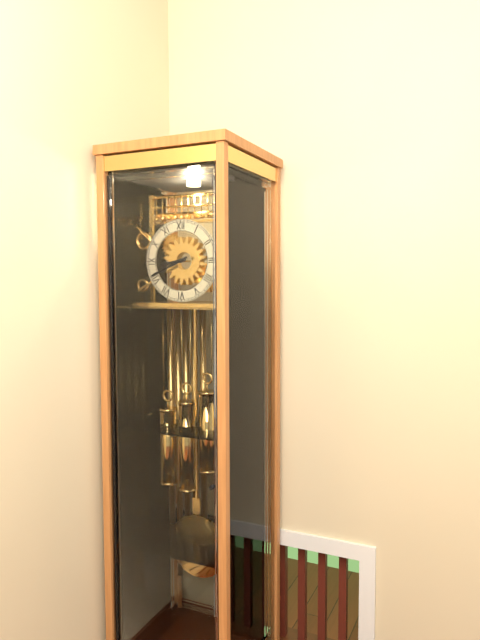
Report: 8:41
